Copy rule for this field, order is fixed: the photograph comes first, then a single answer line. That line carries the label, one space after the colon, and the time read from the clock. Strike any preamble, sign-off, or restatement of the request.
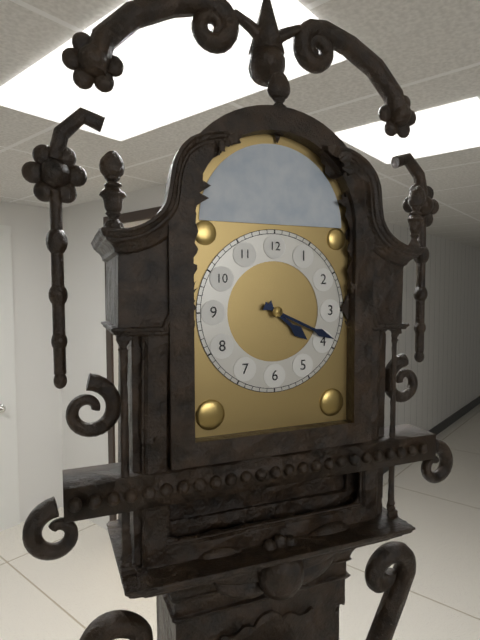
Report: 4:19
